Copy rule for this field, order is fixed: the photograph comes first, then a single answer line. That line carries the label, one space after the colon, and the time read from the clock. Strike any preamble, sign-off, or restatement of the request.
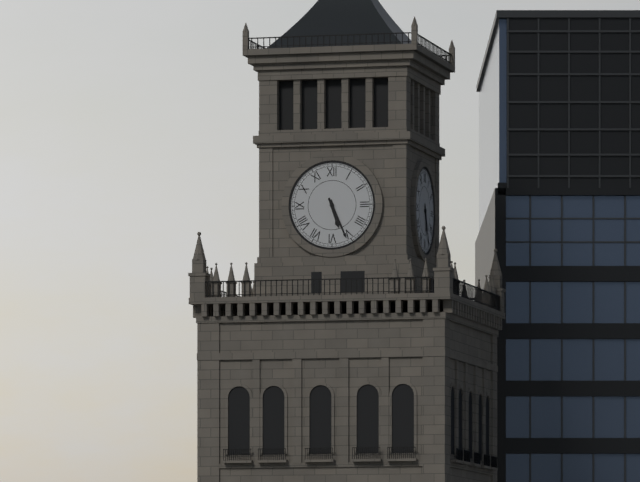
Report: 5:26
